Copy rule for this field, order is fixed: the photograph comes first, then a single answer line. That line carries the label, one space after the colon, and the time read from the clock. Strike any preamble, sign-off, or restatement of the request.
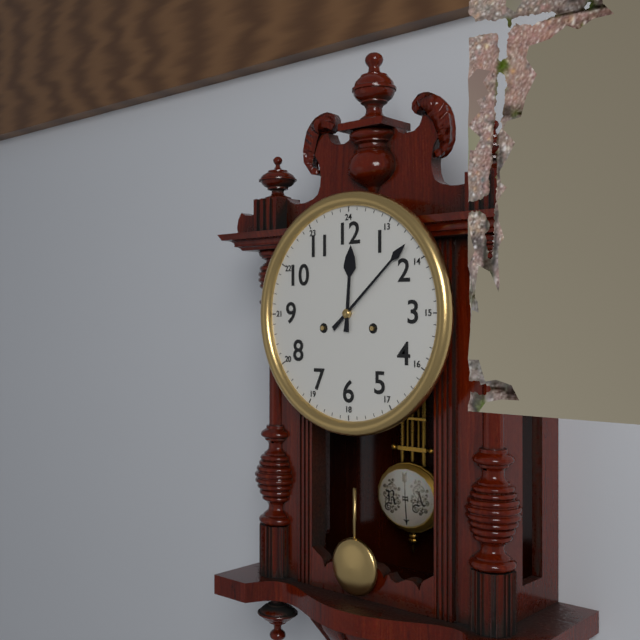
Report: 12:08
